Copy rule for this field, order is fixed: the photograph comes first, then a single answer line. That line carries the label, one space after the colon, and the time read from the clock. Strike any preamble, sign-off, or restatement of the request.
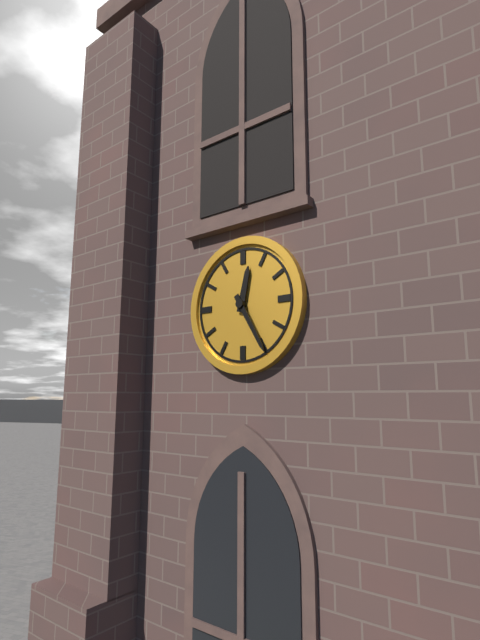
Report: 12:25
